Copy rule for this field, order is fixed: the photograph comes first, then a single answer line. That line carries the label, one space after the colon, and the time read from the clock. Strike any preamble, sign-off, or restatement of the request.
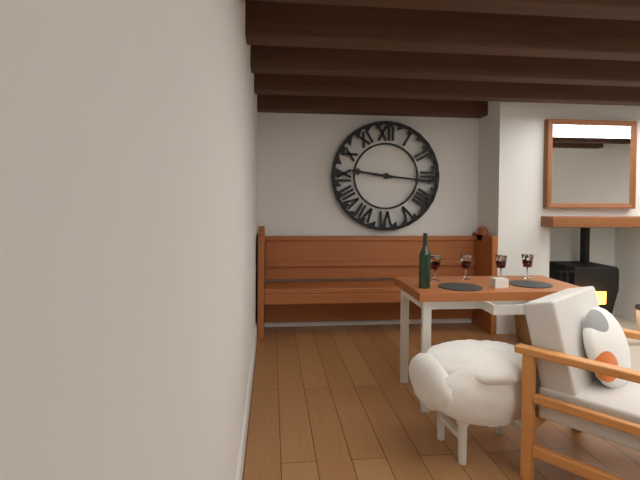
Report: 9:16
